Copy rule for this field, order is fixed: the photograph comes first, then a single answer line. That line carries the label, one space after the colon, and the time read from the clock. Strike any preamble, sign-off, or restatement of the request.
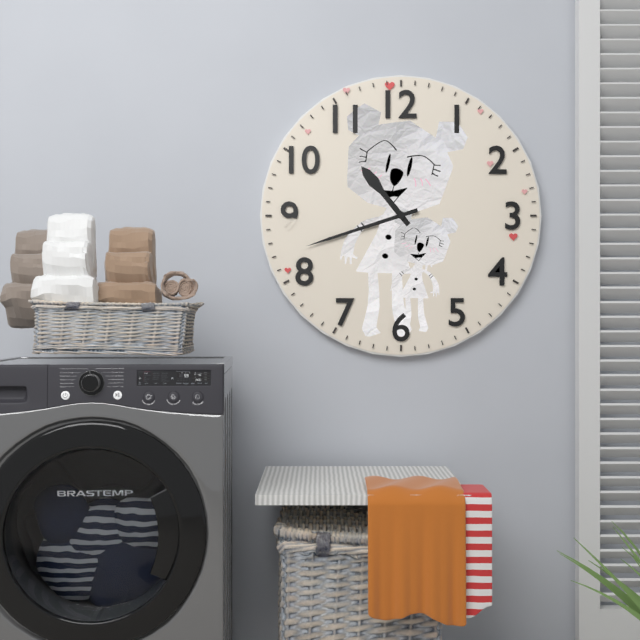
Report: 10:42
